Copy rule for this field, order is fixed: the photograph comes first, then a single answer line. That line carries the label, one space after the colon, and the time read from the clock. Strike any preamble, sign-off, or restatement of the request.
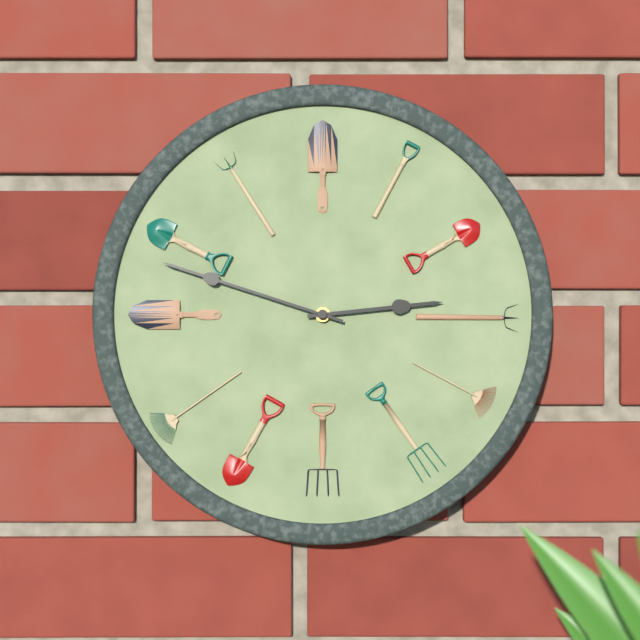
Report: 2:48
